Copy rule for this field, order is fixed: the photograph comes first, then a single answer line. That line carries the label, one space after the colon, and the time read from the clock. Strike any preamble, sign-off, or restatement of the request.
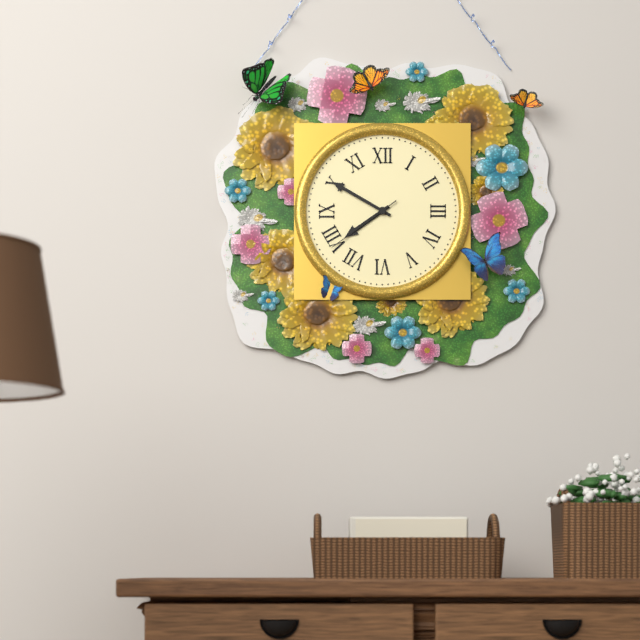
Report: 7:50:39
